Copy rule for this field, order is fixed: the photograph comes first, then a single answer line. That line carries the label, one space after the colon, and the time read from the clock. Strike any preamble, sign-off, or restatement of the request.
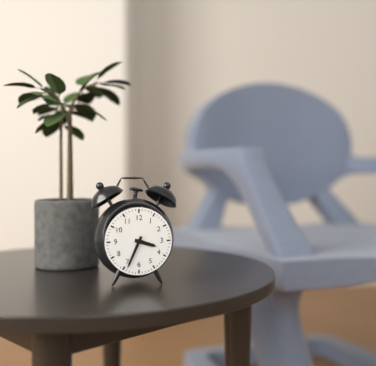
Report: 3:34
